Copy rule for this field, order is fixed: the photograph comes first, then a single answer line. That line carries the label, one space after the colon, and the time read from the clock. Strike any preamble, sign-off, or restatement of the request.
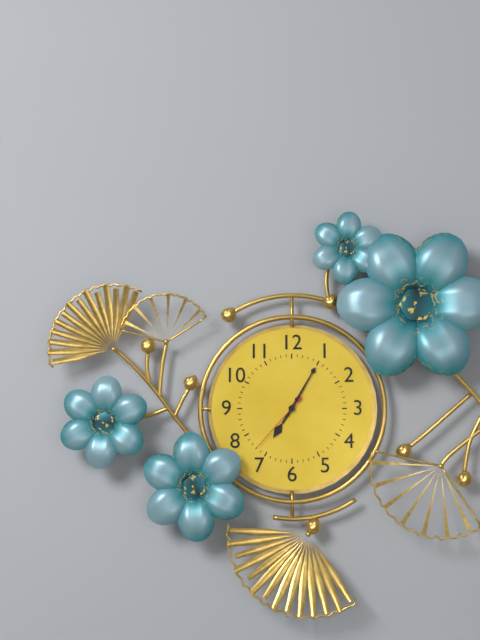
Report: 7:05:37
